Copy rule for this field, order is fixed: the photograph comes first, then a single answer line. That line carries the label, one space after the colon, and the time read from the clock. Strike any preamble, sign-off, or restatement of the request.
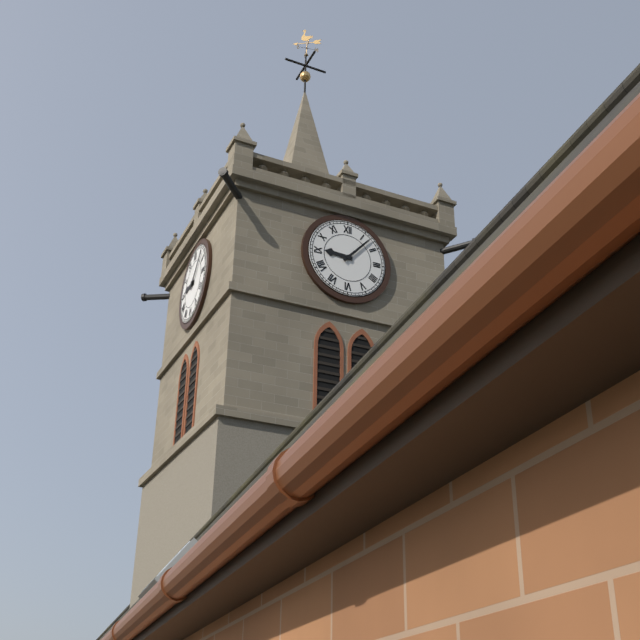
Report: 9:07
